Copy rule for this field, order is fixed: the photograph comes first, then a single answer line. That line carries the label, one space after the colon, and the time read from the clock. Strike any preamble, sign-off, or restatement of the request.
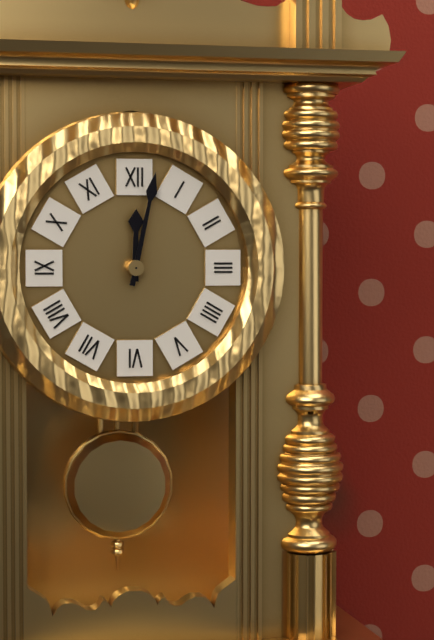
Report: 12:02
